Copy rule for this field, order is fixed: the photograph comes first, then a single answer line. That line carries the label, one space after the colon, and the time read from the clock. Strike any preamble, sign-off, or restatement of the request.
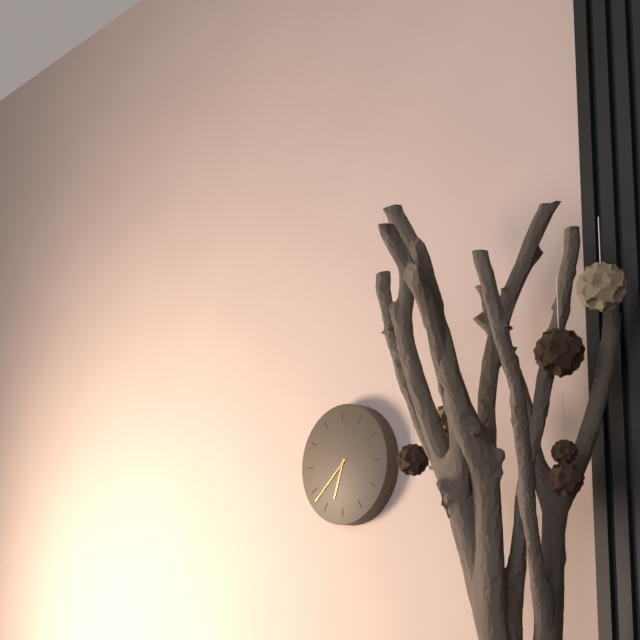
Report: 6:38
